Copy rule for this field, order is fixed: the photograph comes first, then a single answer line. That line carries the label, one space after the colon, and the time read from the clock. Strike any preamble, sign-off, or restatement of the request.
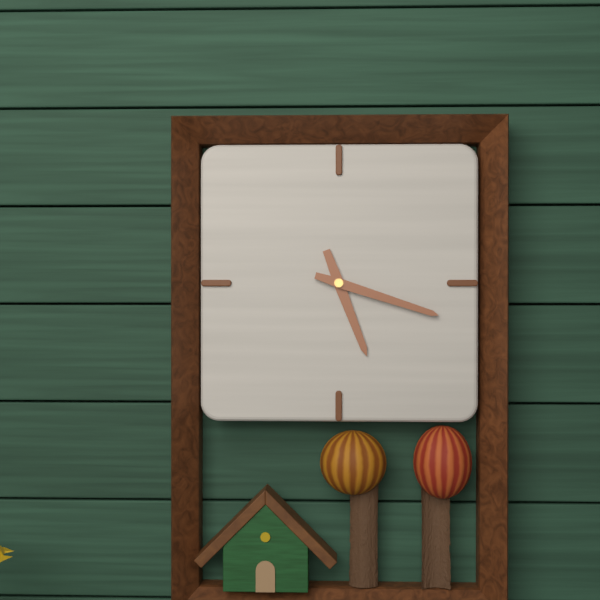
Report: 5:18
